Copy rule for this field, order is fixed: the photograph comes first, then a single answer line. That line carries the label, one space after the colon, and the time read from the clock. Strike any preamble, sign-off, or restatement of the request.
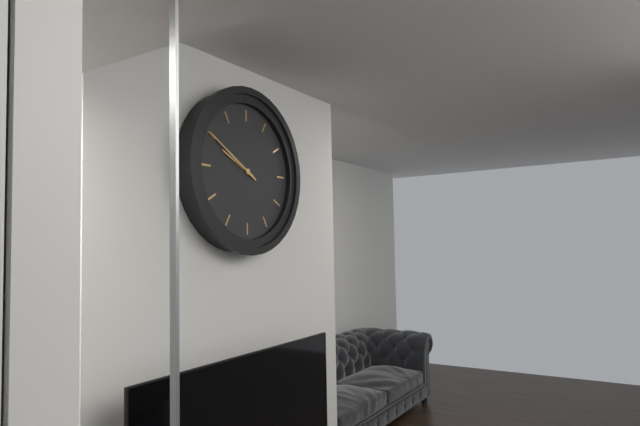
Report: 9:50
